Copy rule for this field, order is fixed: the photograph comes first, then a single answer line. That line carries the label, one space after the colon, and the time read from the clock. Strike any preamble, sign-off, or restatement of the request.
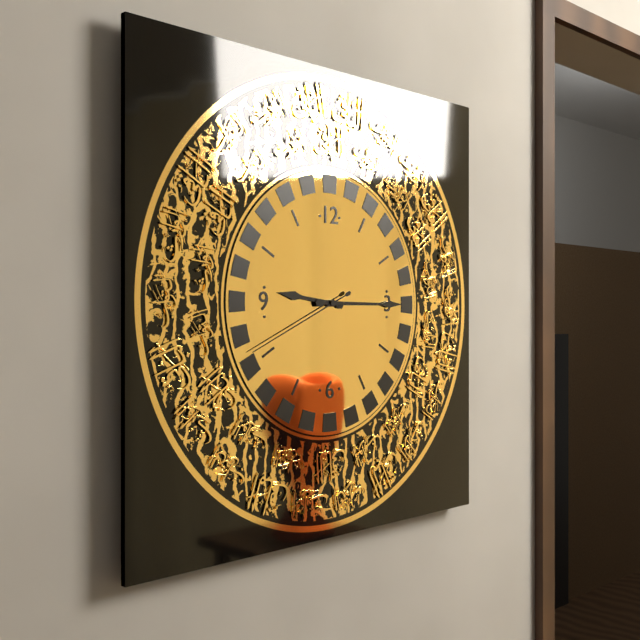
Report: 9:15:41
